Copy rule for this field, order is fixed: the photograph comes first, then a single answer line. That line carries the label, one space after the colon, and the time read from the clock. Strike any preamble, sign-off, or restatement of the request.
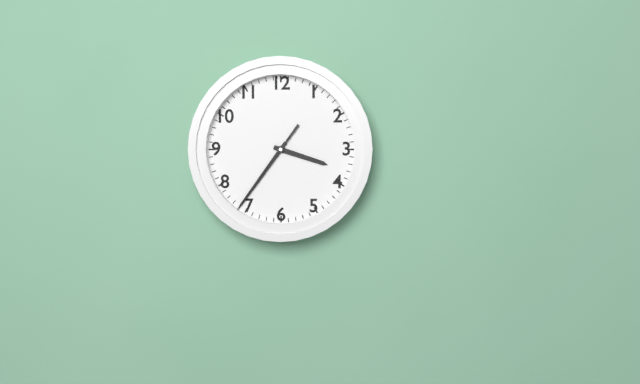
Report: 3:36:36
